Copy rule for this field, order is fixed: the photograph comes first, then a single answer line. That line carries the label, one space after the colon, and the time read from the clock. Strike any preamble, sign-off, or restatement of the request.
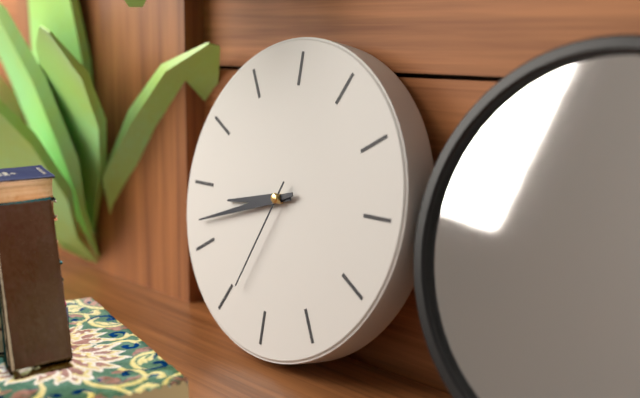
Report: 8:42:34
